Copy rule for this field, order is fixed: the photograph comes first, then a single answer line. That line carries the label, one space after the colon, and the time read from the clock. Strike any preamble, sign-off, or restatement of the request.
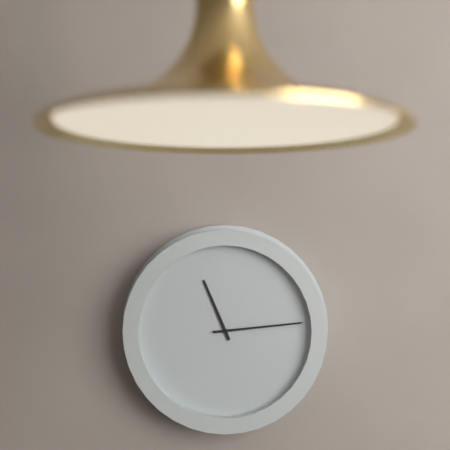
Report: 11:14
